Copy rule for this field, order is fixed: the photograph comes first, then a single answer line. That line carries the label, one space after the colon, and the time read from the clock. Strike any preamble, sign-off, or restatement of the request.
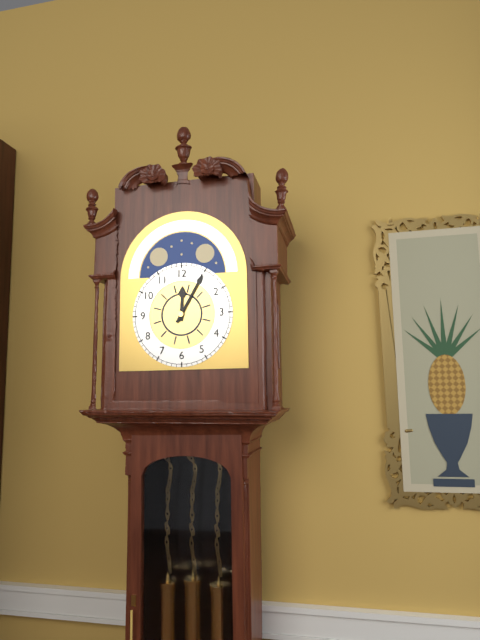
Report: 12:05
